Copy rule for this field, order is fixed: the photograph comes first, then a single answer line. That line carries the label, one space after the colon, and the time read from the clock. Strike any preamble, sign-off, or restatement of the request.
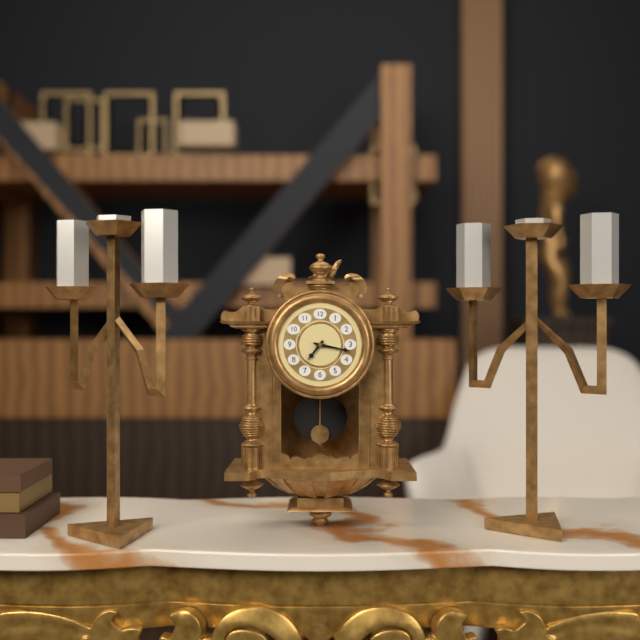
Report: 7:17
